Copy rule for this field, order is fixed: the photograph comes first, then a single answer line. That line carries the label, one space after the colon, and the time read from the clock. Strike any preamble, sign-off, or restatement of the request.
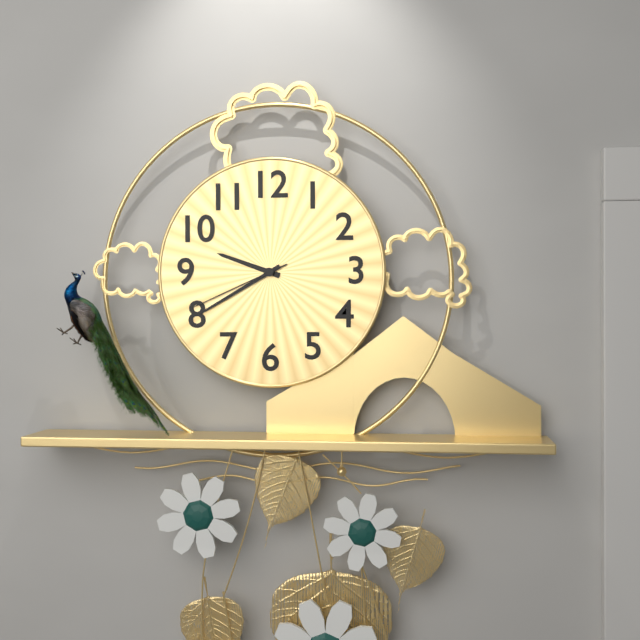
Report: 9:40:41
